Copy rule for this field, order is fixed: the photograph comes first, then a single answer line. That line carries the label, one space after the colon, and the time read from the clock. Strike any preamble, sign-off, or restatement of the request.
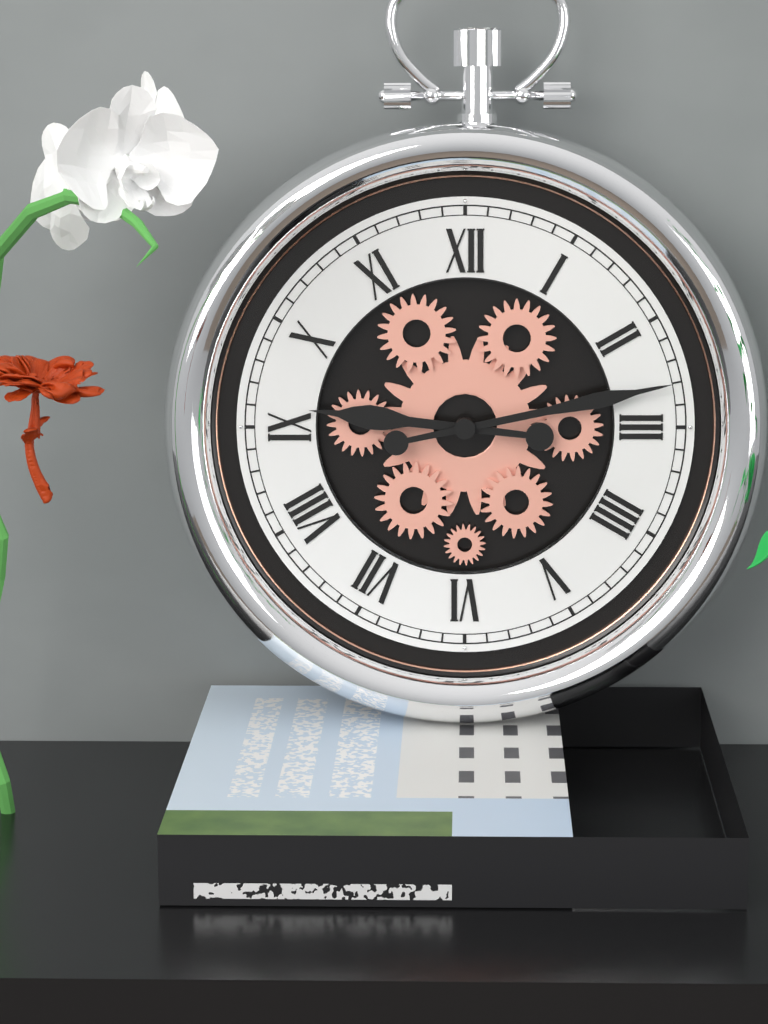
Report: 9:13
